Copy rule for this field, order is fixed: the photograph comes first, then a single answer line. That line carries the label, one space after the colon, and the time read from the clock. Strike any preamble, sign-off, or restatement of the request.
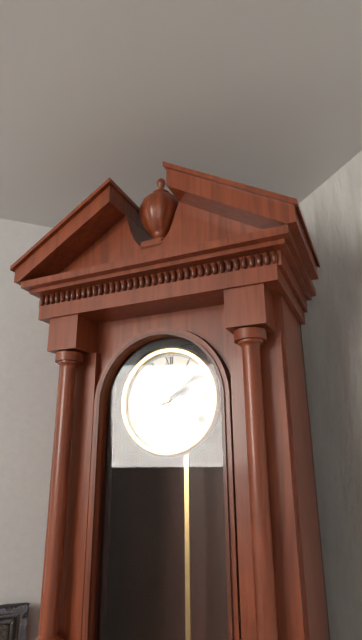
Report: 2:09
